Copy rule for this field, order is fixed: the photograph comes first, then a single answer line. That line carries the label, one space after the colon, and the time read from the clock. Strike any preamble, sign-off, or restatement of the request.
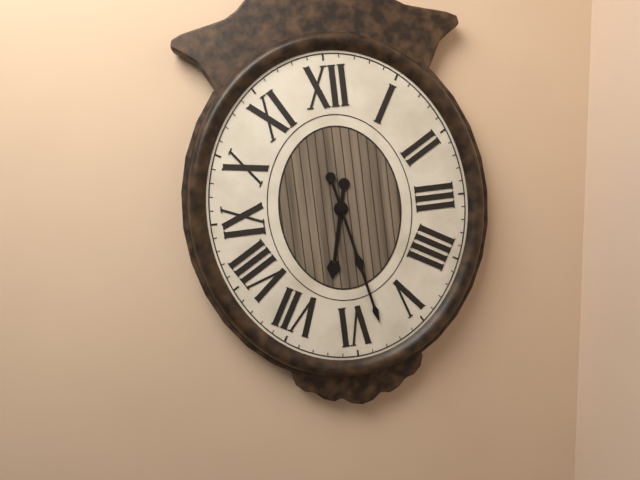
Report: 6:28
